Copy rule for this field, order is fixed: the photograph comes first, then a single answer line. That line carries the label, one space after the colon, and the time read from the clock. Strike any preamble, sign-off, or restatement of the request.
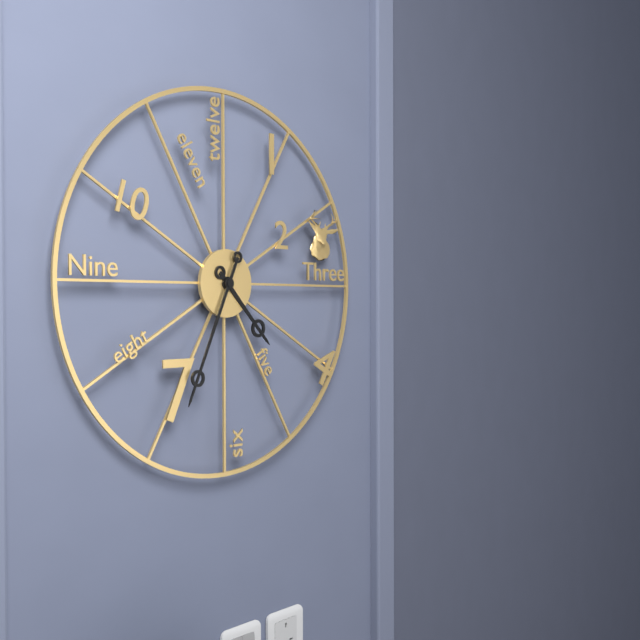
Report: 4:34
